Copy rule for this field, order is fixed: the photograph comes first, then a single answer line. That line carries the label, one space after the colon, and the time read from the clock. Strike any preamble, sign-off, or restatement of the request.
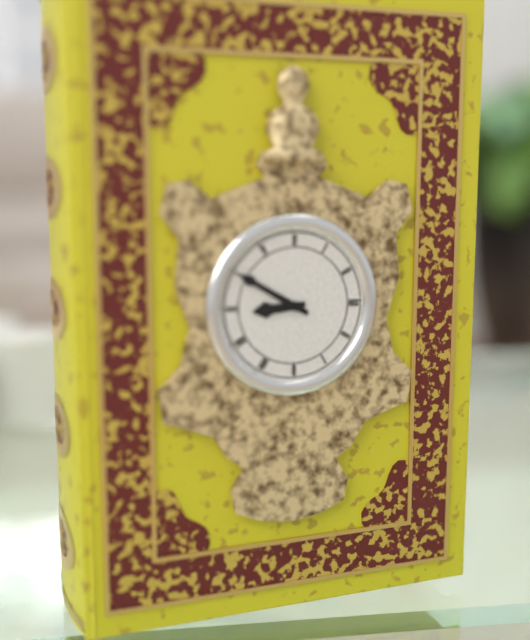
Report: 8:50
